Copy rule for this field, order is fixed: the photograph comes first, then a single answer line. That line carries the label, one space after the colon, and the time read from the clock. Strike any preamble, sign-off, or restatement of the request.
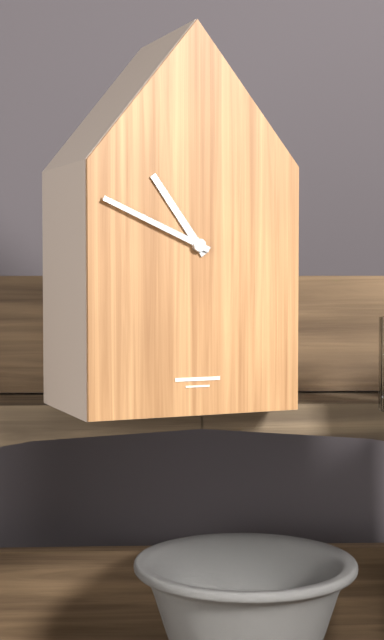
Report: 10:49
